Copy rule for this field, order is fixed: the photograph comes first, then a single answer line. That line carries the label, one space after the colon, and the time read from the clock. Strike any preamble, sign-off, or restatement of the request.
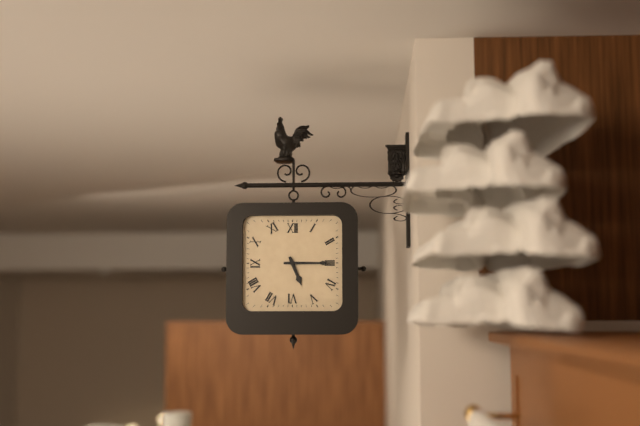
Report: 5:15
